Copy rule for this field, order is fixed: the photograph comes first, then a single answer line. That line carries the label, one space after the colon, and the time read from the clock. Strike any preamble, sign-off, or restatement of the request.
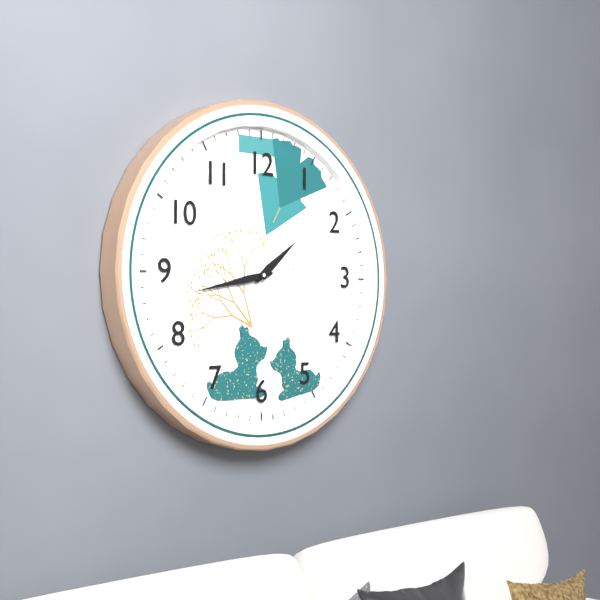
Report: 1:43
